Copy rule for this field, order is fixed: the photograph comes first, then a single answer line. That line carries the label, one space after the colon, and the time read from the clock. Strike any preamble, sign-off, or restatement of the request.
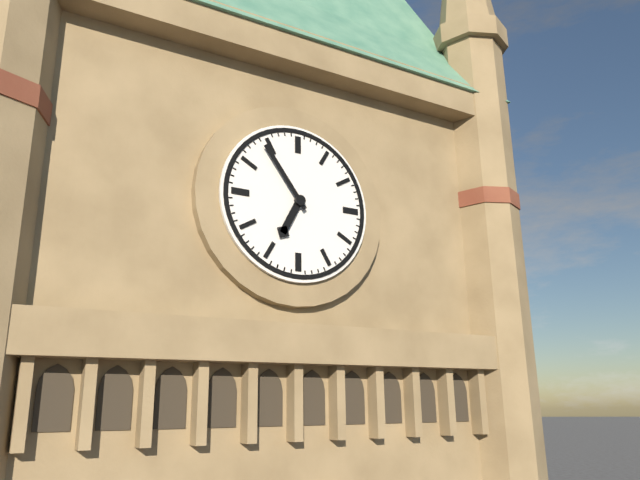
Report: 6:54
